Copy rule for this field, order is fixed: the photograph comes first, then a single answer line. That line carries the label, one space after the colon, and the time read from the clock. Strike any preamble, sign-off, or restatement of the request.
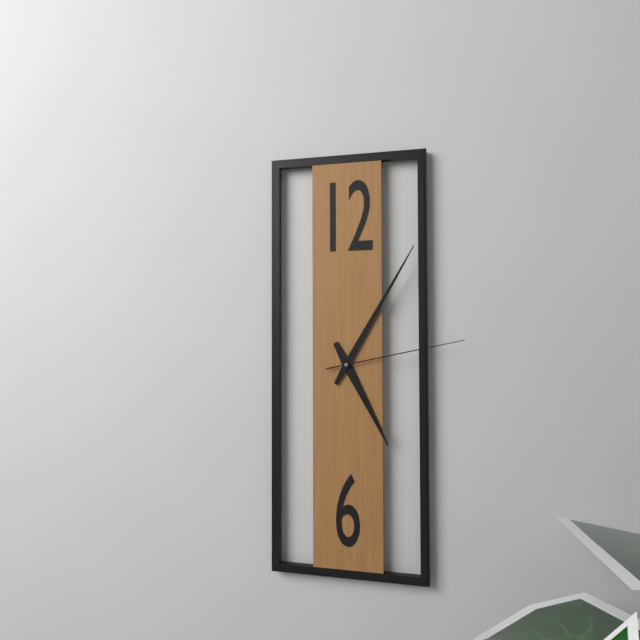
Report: 5:05:13
